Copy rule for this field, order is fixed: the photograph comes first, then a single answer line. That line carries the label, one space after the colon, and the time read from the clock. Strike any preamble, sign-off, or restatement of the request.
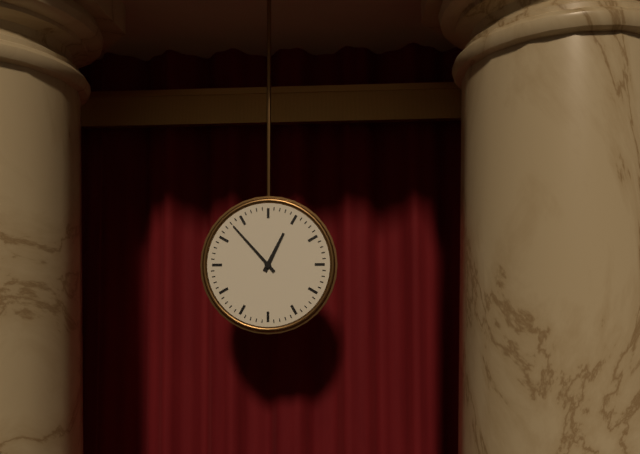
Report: 12:53
